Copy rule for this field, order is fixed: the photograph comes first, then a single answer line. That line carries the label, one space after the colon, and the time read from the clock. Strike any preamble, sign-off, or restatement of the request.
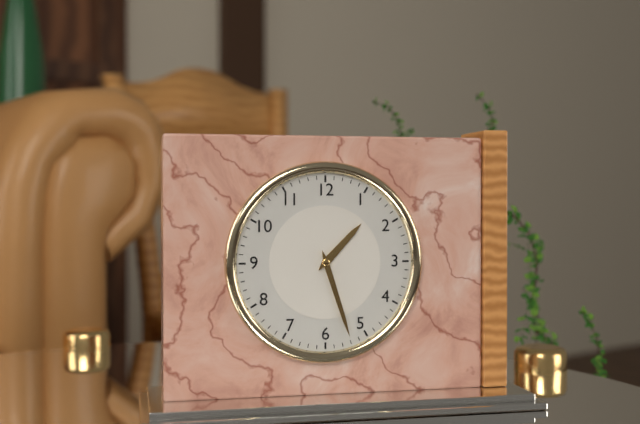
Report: 1:27
